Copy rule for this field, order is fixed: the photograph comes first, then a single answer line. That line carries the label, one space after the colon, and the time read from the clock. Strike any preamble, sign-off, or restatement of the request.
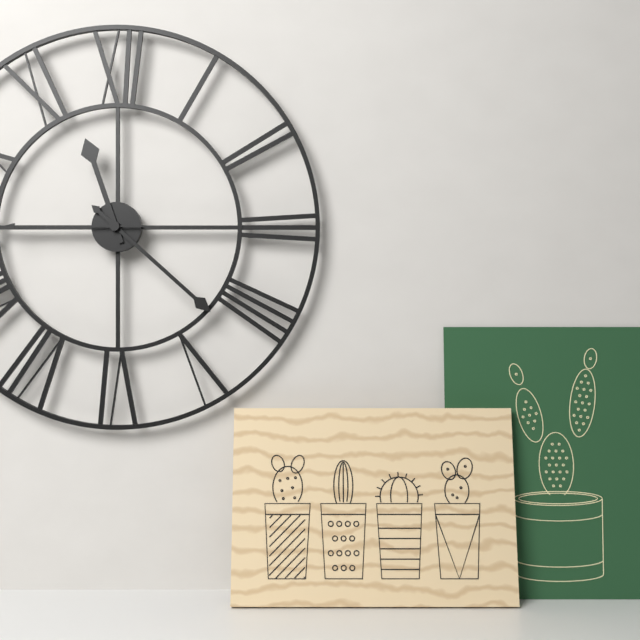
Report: 11:22:45
